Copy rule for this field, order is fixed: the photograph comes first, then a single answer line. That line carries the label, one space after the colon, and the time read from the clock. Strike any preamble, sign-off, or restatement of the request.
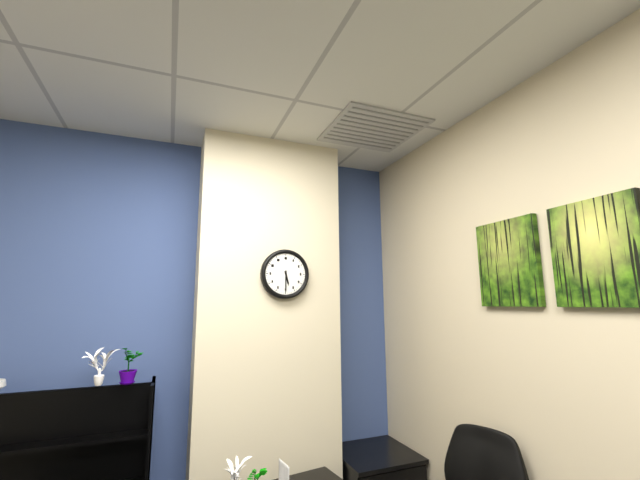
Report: 5:30
